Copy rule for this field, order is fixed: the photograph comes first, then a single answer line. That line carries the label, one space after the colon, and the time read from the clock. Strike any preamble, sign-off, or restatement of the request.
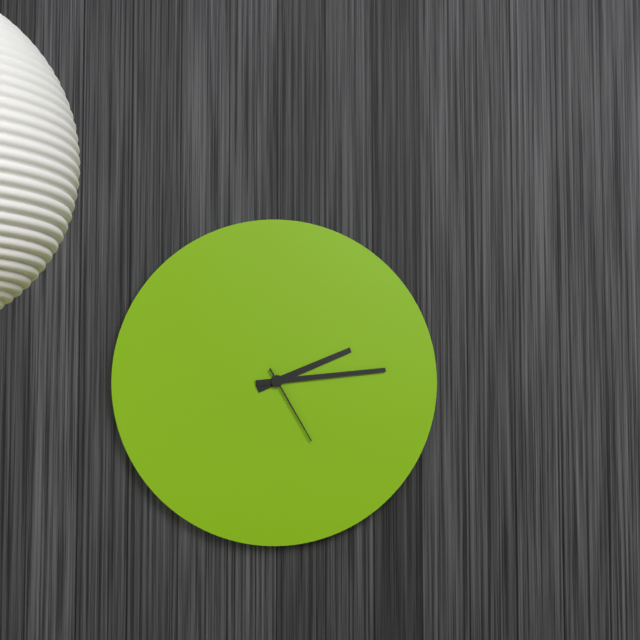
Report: 2:14:25
